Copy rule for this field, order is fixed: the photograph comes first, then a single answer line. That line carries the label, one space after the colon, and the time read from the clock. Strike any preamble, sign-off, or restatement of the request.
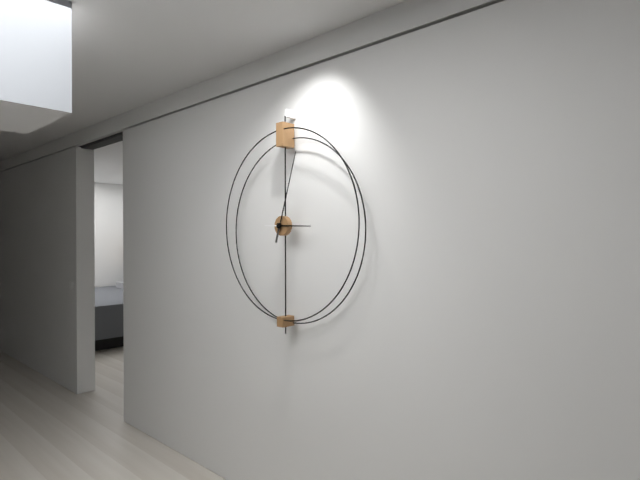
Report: 3:03
